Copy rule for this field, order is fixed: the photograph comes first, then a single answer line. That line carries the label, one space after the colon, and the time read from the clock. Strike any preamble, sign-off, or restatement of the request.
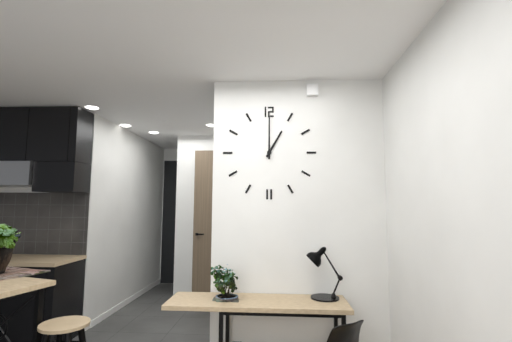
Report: 1:00
